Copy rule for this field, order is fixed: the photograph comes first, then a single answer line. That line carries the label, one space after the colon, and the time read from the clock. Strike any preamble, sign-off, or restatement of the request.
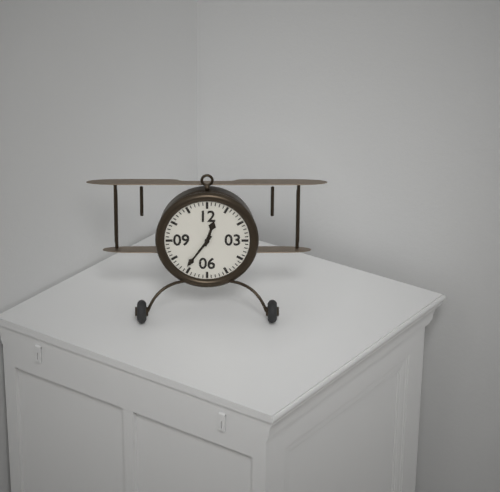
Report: 12:36
